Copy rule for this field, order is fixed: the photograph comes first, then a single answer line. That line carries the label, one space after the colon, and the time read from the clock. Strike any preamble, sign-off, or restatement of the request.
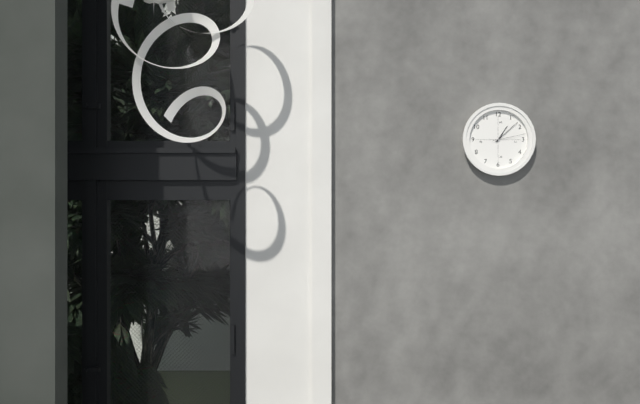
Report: 1:08
